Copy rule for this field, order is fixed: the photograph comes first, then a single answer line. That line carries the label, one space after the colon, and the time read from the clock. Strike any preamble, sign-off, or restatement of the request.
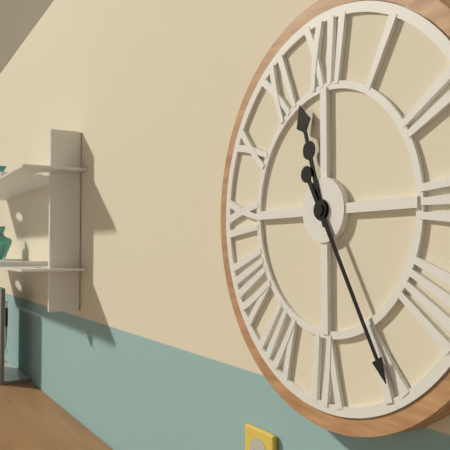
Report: 11:25
